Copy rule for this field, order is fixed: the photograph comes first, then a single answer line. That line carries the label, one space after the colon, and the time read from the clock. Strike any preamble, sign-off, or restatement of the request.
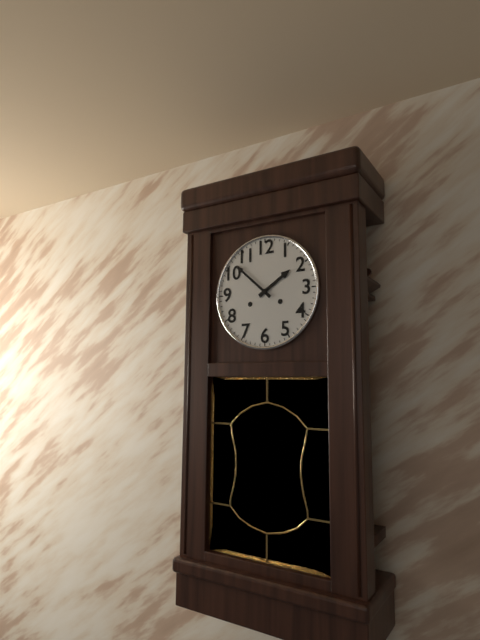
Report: 1:52
